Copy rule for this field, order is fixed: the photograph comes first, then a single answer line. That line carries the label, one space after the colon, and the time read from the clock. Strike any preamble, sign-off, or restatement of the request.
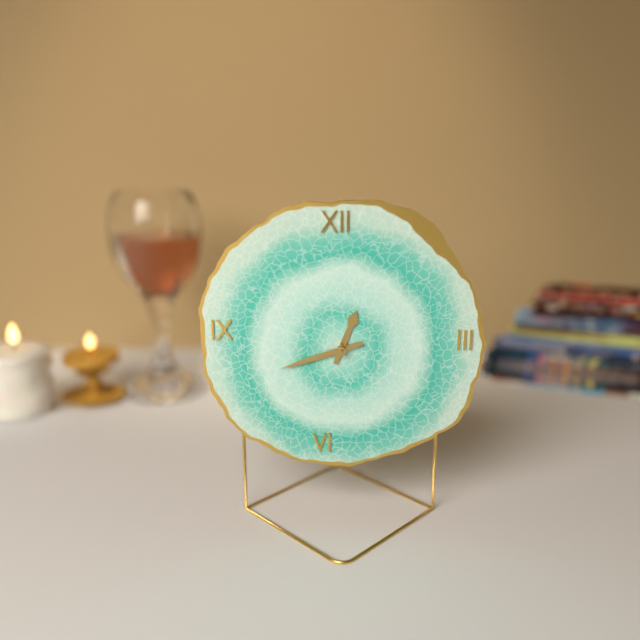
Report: 12:42
